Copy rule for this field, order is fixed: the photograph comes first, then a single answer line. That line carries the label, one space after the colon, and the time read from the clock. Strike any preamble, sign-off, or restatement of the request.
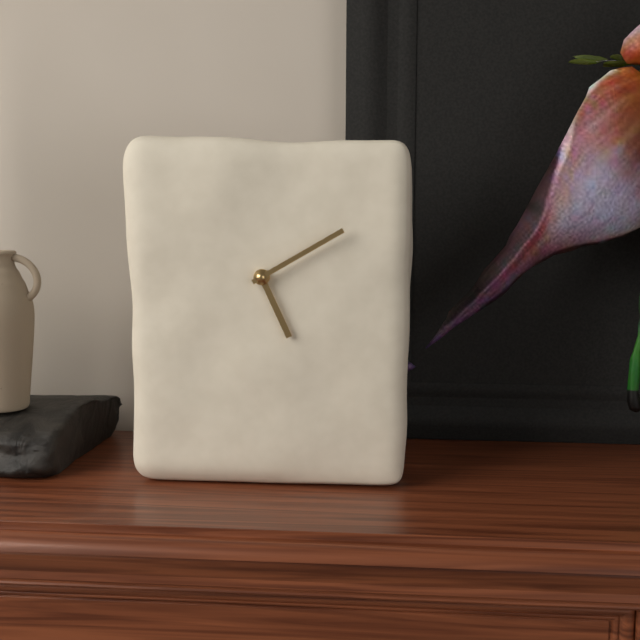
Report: 5:10
